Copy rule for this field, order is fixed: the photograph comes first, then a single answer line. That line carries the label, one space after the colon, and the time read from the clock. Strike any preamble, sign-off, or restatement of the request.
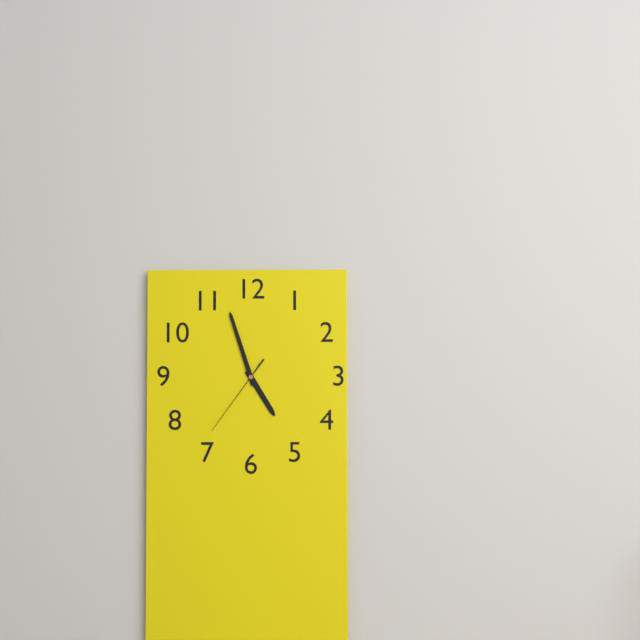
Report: 4:57:36
